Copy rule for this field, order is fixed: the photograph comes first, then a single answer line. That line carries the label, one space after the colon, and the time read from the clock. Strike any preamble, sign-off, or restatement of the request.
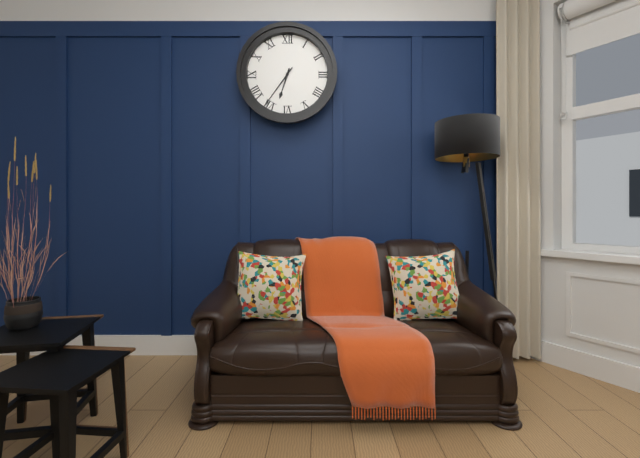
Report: 6:36
